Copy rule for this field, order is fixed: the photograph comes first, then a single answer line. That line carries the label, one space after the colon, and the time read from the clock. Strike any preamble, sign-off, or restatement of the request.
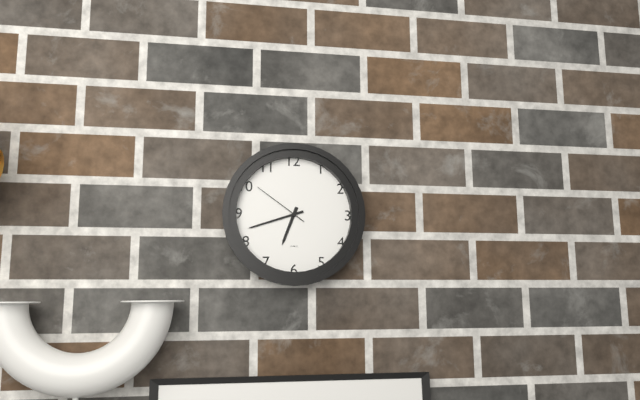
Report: 6:42:51
